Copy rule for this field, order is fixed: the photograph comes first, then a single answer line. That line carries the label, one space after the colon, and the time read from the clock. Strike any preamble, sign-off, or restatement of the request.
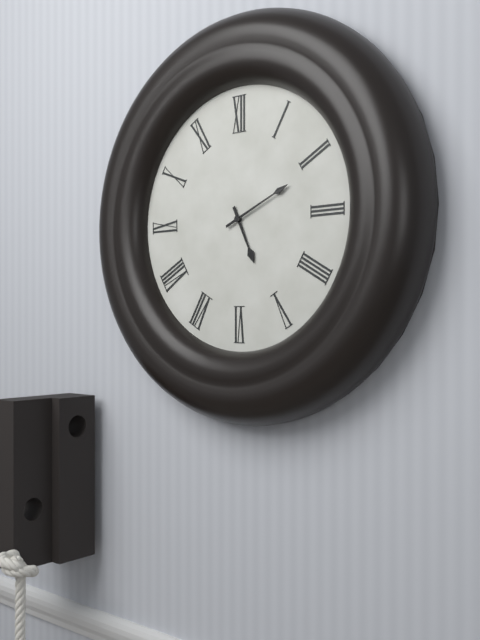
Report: 5:11
